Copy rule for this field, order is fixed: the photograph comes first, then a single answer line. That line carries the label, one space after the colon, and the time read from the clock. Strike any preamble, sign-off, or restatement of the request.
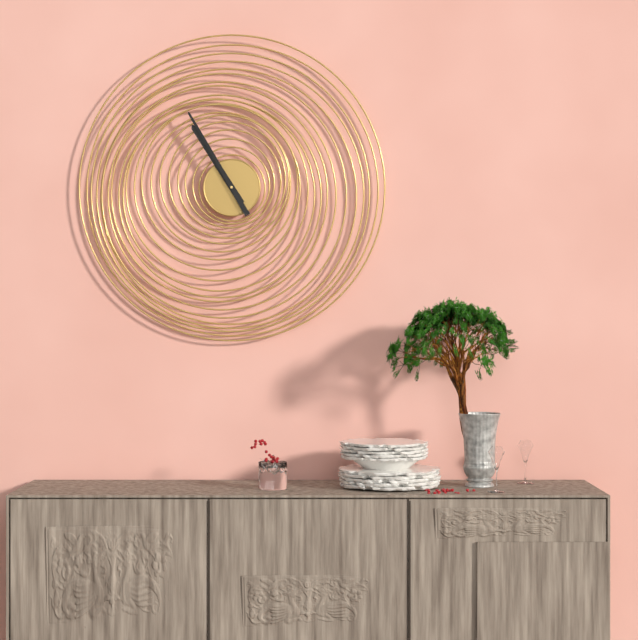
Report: 10:55
